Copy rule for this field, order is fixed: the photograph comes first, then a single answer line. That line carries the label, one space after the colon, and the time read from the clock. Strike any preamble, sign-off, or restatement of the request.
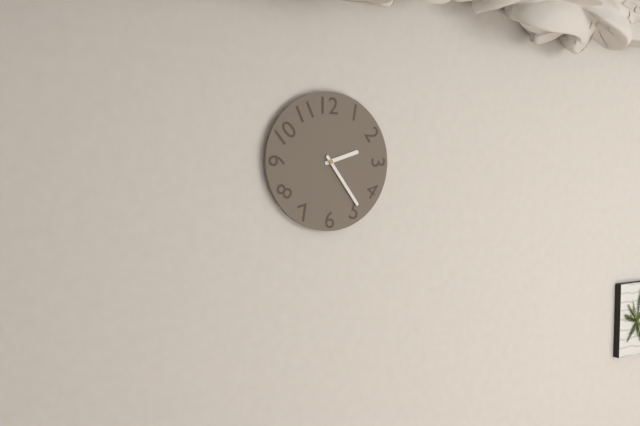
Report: 2:24
